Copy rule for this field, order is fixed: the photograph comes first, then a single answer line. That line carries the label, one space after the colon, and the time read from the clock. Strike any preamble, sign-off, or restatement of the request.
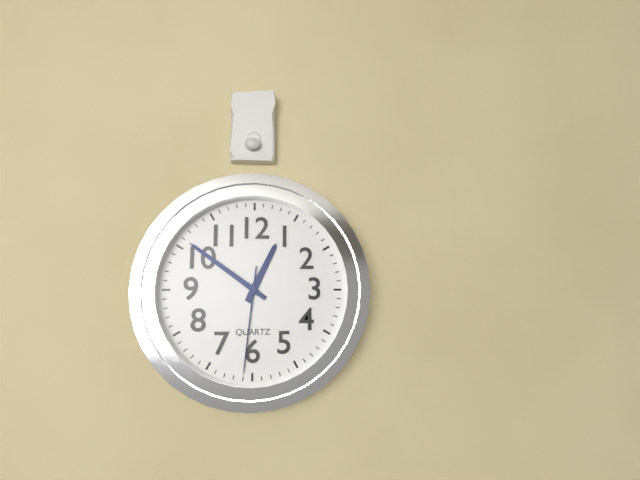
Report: 12:51:31
